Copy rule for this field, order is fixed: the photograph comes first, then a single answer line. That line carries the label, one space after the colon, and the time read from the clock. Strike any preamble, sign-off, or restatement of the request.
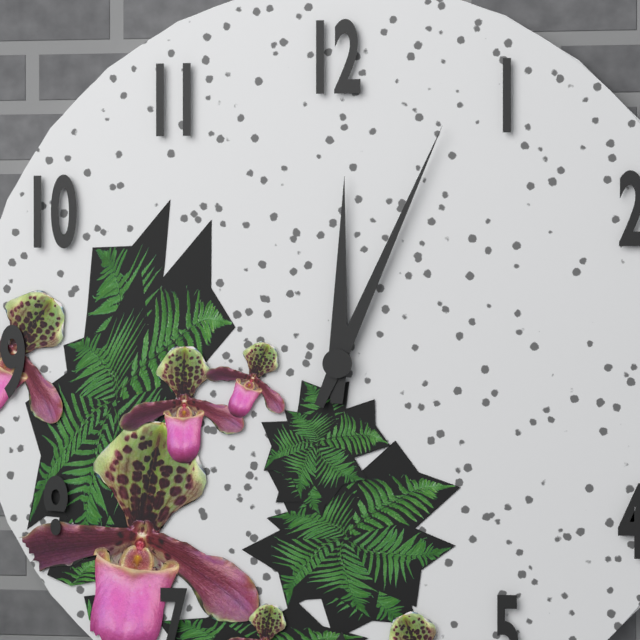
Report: 12:04
